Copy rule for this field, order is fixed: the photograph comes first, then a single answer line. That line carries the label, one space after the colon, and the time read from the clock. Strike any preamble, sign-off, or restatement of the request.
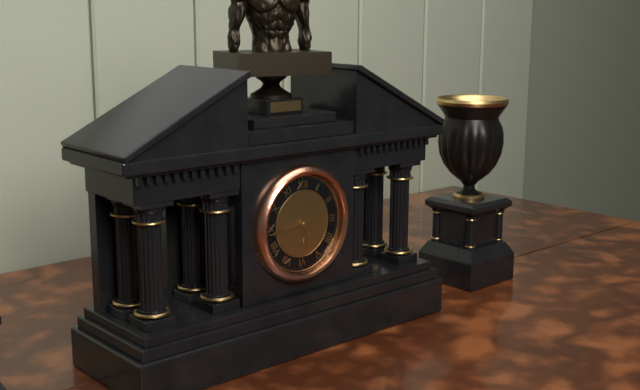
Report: 5:44
